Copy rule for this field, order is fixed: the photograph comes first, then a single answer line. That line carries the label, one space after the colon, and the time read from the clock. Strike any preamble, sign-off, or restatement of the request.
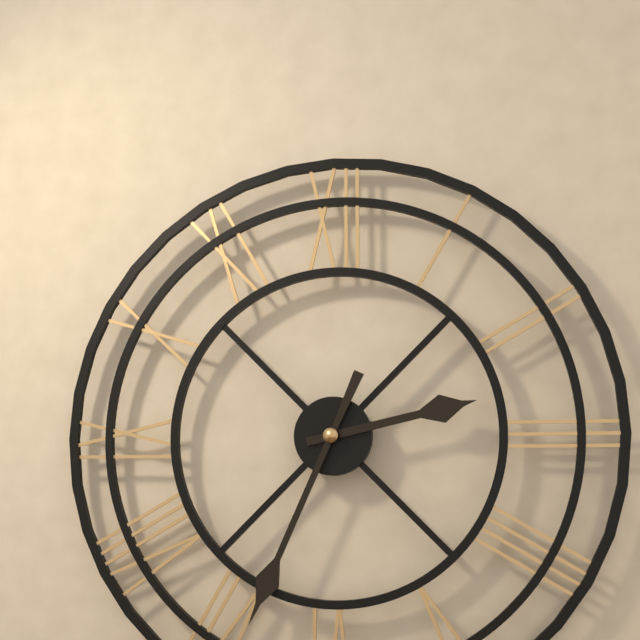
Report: 2:34
